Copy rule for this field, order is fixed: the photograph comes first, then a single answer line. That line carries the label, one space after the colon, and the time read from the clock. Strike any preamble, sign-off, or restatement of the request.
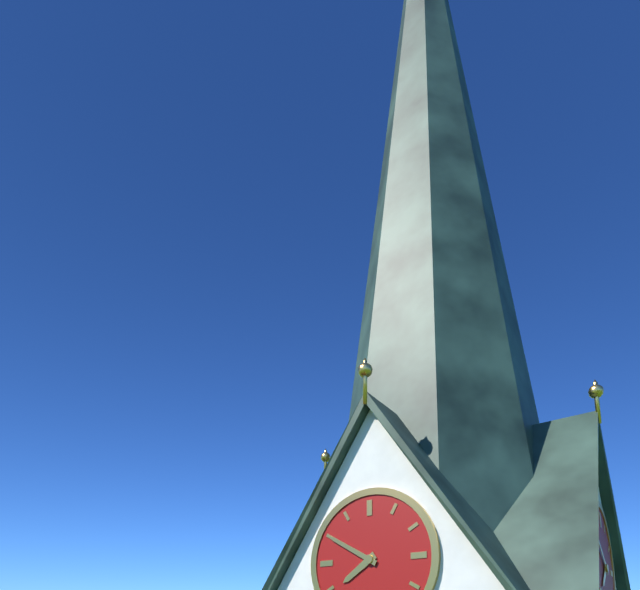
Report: 7:50
